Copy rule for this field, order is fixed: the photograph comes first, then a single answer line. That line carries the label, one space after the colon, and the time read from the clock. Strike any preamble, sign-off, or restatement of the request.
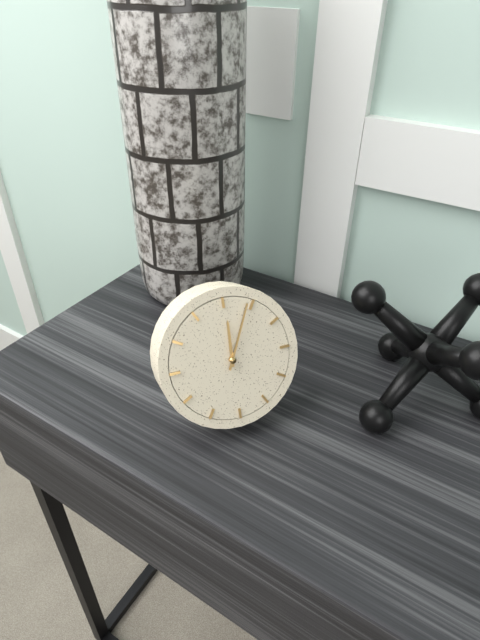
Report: 12:04
